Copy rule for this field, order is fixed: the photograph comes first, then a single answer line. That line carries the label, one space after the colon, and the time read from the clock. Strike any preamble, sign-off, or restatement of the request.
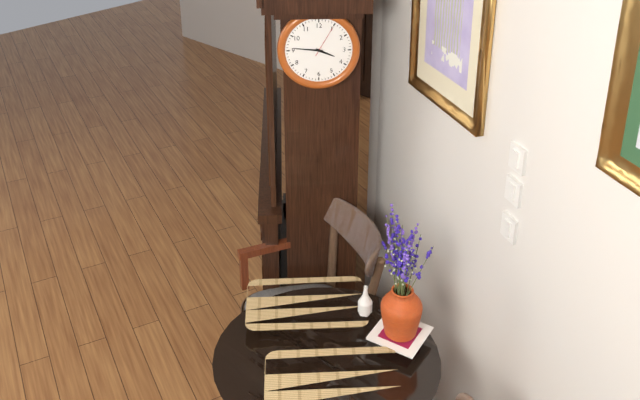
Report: 3:46
